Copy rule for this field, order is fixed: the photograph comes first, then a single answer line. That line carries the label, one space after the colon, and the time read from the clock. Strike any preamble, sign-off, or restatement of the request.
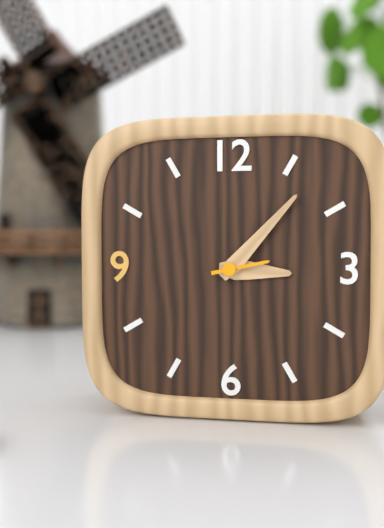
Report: 3:07:13
